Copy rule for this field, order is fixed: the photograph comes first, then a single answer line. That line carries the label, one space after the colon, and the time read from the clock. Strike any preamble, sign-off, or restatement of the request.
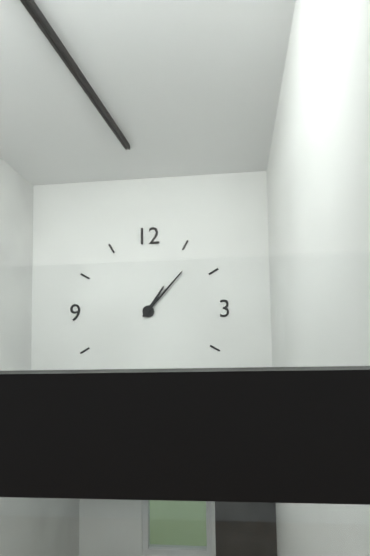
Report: 1:07
